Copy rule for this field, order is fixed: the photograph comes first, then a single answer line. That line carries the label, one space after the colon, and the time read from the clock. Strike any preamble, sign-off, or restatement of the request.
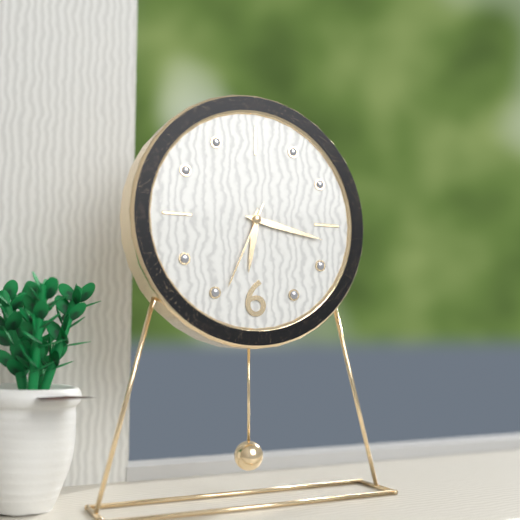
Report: 6:17:34
